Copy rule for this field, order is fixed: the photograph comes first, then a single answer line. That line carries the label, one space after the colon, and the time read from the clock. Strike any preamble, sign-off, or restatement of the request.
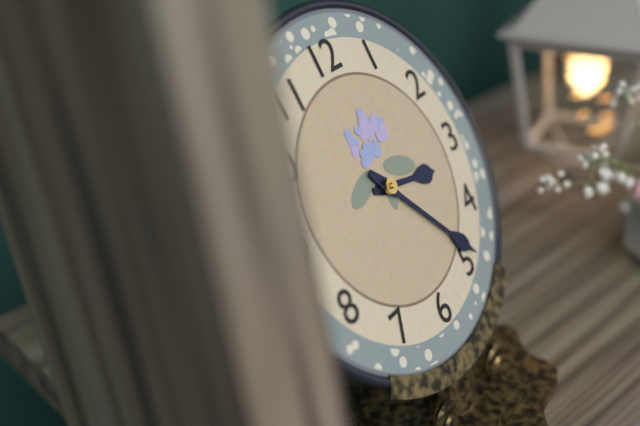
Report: 3:24
